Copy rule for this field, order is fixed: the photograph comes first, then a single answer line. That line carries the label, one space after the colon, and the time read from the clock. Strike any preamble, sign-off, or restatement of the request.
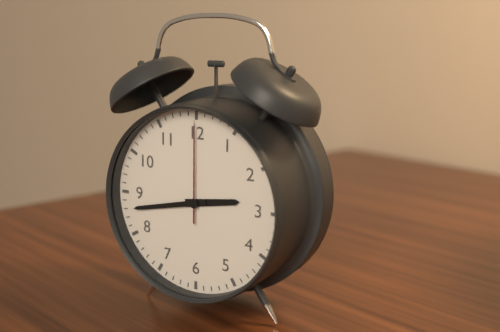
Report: 2:43:00
